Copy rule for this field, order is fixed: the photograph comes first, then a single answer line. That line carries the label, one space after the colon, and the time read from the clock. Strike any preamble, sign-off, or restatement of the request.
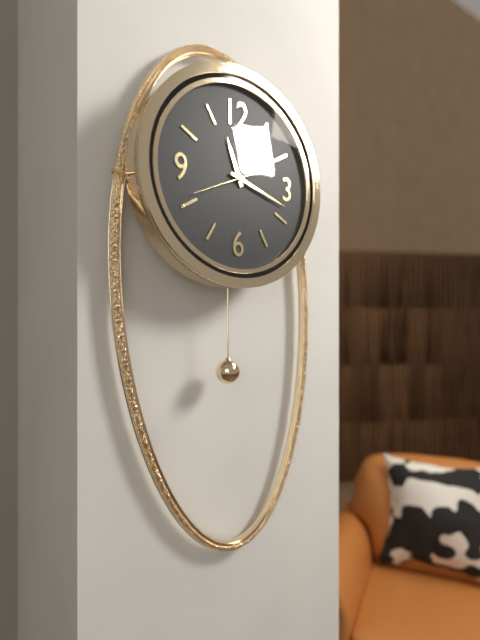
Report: 11:18:41
